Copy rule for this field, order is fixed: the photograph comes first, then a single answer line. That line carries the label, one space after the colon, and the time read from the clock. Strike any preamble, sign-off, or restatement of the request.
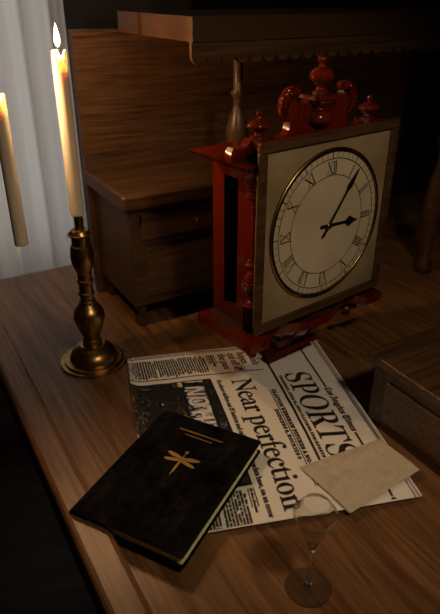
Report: 3:06
